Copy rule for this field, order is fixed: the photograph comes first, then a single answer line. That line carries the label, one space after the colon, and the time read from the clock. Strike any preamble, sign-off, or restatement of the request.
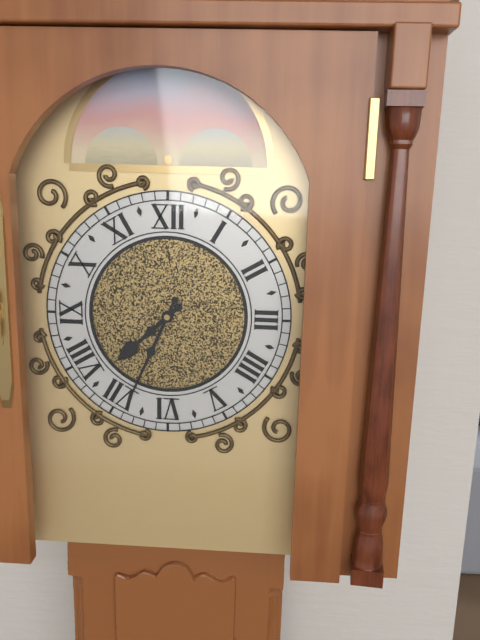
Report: 7:34
